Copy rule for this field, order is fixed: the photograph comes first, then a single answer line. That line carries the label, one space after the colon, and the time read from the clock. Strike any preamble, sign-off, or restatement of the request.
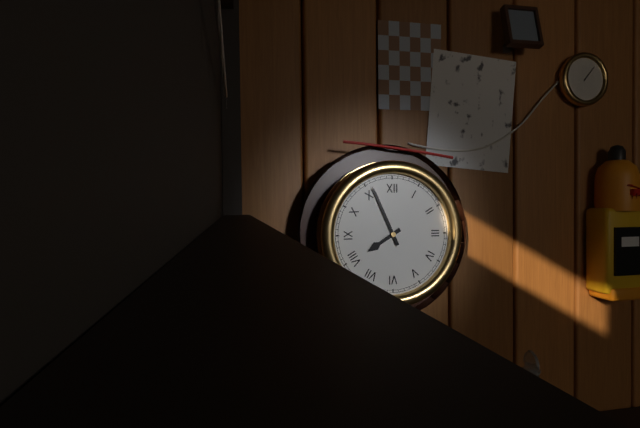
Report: 7:56
